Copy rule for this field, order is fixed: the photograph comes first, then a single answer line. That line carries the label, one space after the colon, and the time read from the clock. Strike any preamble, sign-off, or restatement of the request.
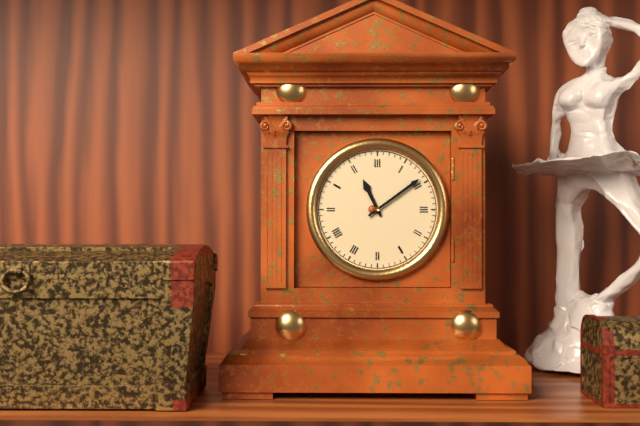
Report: 11:09
